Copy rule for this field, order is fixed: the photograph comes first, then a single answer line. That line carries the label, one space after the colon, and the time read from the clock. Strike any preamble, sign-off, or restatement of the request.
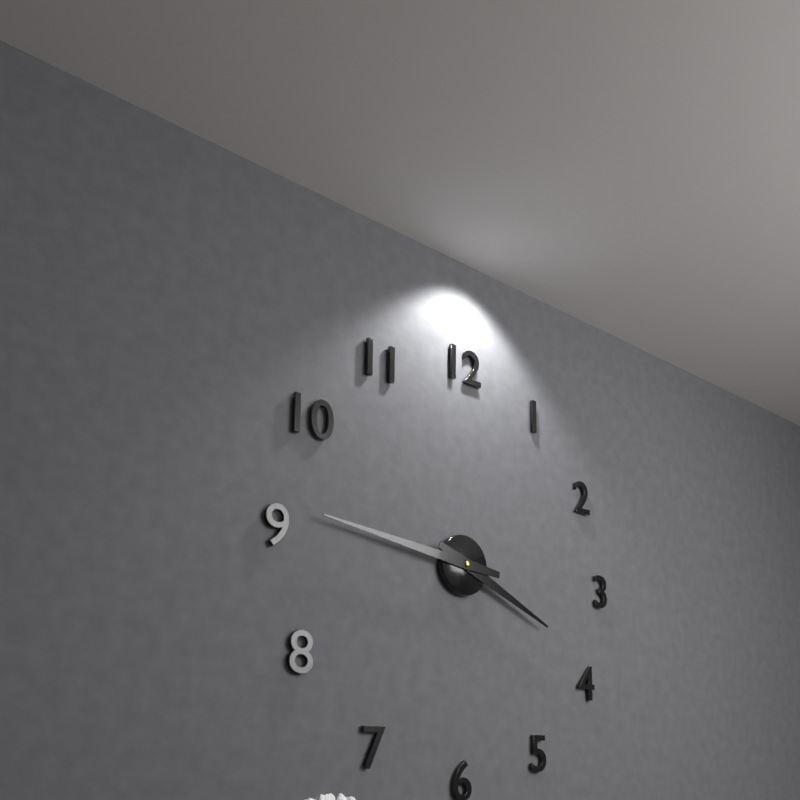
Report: 3:46
